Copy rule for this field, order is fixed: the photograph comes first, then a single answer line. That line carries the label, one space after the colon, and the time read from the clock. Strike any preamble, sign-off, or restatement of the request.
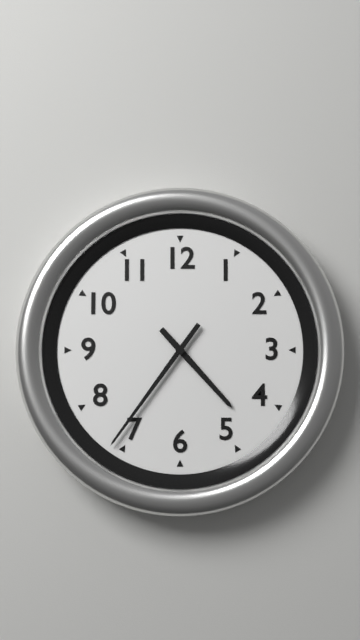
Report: 4:36
